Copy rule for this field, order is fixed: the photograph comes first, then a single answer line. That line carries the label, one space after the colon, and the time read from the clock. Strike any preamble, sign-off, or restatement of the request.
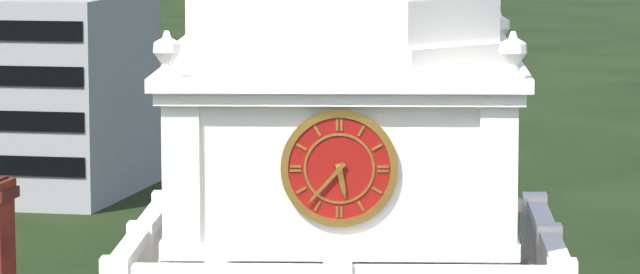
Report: 5:37
